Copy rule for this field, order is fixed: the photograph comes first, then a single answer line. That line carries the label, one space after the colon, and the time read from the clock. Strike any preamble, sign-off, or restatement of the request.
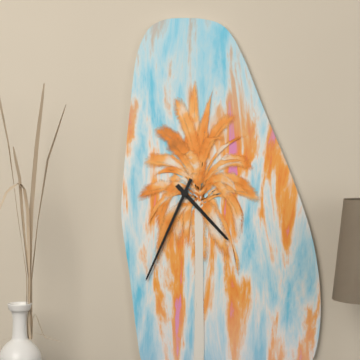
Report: 4:34
